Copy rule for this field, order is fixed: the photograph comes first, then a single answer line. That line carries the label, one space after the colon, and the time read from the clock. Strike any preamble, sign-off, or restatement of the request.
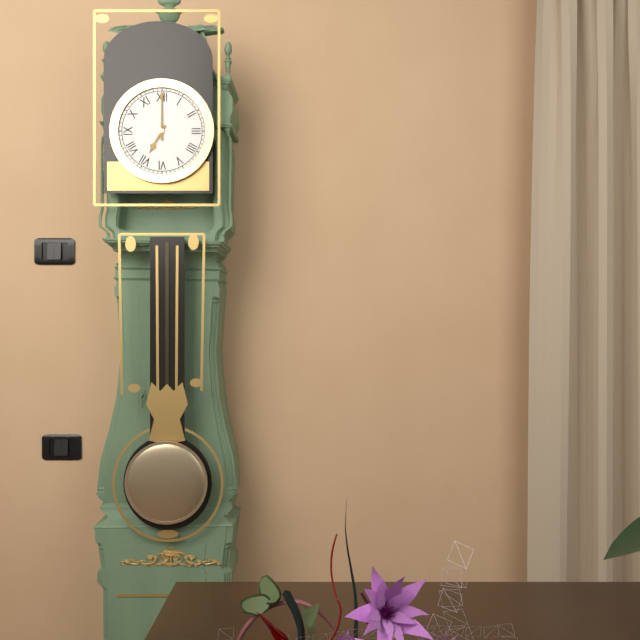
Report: 7:00
